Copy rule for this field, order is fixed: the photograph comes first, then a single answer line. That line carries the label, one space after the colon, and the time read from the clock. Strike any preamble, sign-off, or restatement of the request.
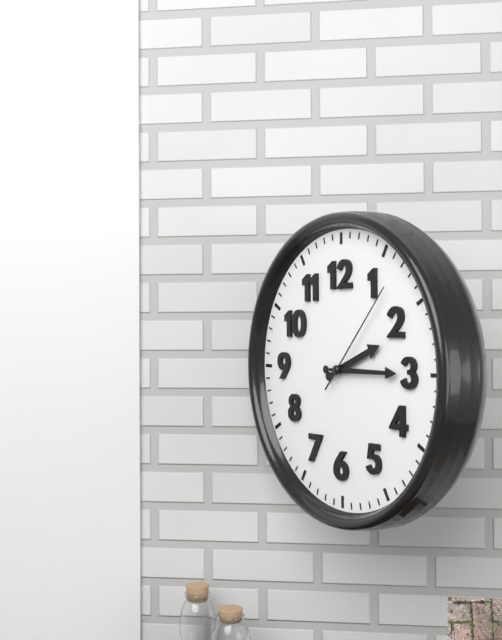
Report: 2:15:07
